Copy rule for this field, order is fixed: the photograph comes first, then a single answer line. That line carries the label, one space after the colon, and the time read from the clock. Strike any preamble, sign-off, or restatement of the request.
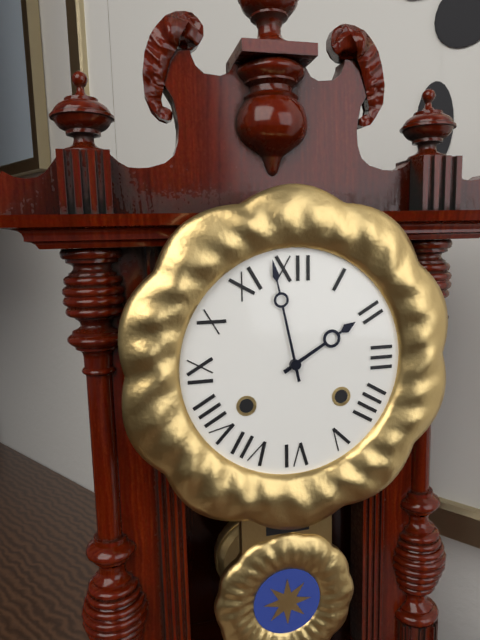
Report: 1:58
